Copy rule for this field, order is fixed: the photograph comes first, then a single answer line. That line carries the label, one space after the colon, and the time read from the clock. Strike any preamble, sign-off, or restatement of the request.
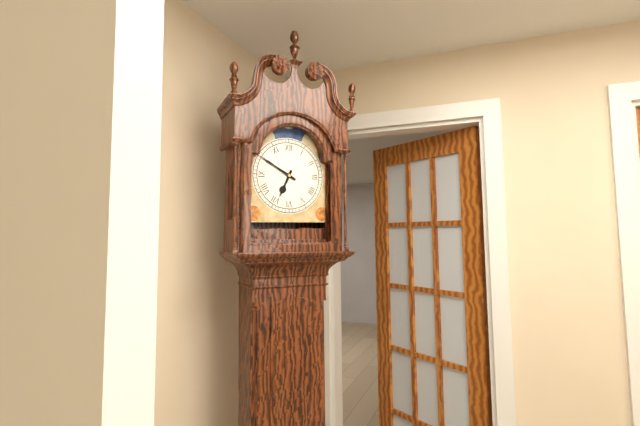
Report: 6:50
